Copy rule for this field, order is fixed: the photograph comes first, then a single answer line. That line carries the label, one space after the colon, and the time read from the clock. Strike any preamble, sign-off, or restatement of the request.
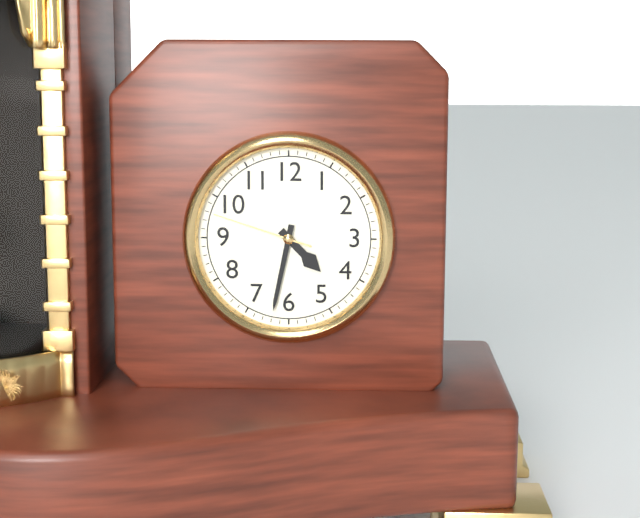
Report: 4:32:48
